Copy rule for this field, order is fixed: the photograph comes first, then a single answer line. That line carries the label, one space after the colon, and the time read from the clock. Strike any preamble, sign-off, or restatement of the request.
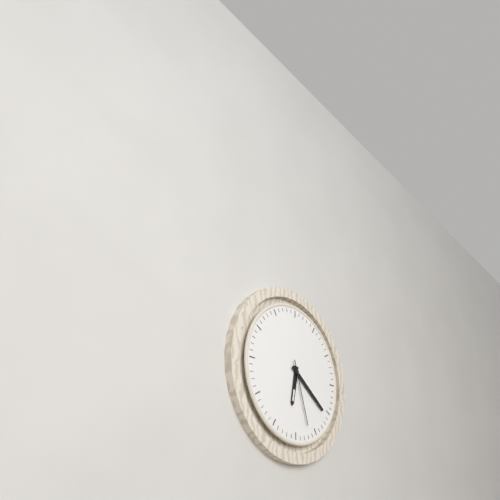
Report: 6:21:27
